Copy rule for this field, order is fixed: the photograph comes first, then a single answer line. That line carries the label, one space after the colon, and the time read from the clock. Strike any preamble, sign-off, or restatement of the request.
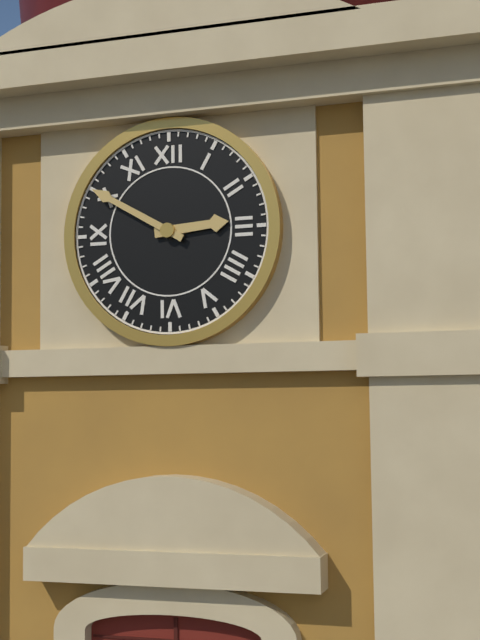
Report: 2:50
